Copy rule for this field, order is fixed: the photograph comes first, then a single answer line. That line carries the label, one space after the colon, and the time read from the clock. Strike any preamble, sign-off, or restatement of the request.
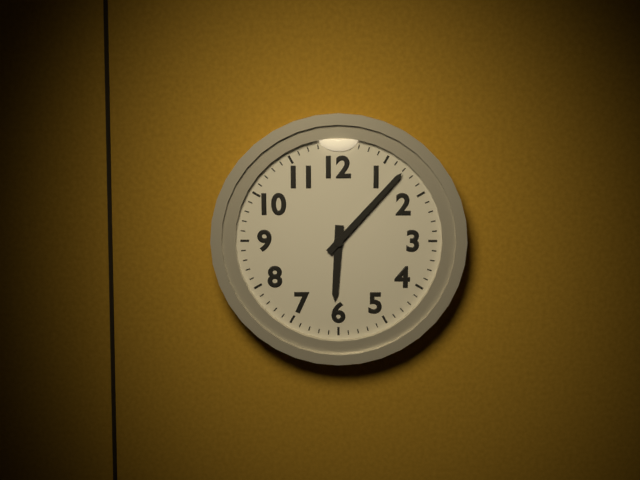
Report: 6:07
